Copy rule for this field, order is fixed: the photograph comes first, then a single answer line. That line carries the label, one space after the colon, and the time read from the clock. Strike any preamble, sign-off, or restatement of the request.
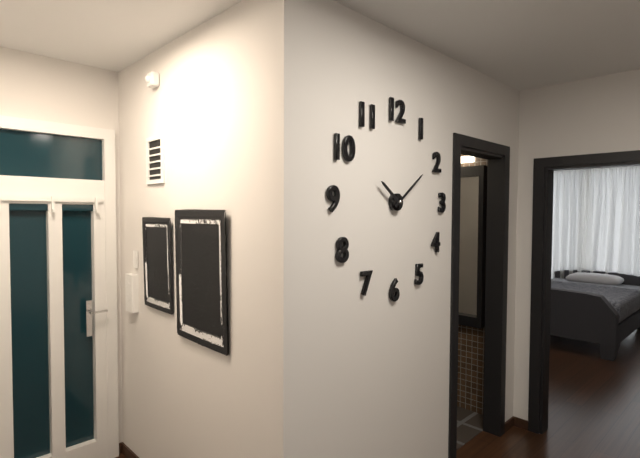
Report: 10:09
